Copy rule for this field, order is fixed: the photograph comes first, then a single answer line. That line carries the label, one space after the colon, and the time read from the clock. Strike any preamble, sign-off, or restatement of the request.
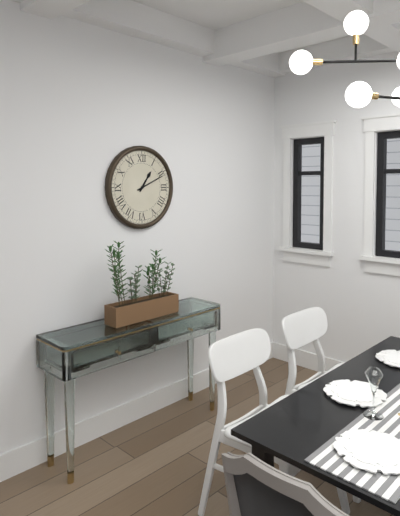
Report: 1:11
